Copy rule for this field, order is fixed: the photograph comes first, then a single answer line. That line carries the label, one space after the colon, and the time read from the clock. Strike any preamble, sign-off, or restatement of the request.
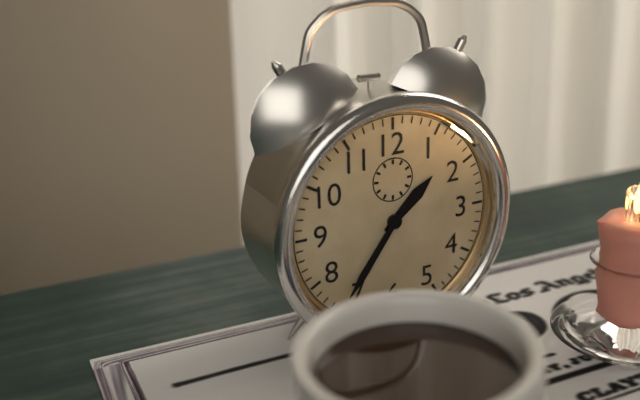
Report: 1:36
